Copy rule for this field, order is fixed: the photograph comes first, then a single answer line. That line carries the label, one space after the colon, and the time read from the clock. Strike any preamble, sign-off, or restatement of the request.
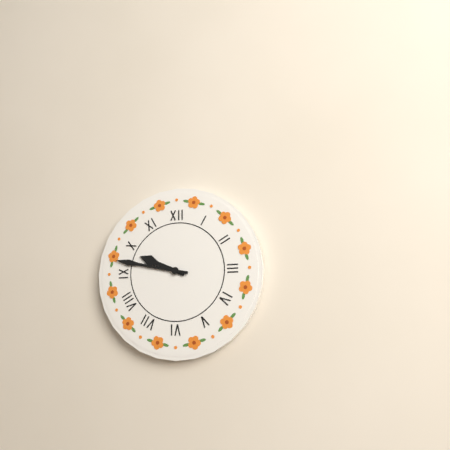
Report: 9:47
